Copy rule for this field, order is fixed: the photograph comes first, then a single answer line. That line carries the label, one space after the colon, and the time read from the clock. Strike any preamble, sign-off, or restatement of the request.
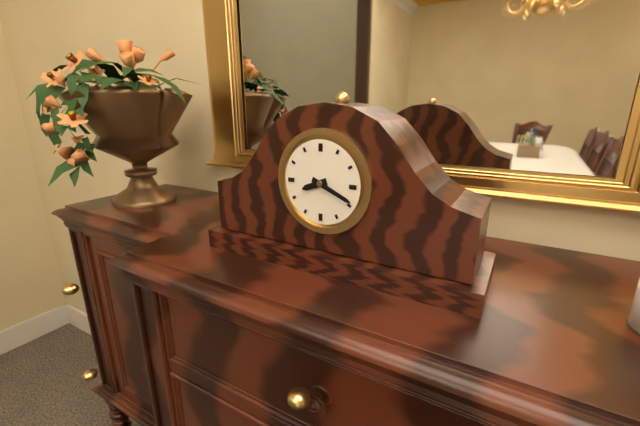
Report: 8:19
